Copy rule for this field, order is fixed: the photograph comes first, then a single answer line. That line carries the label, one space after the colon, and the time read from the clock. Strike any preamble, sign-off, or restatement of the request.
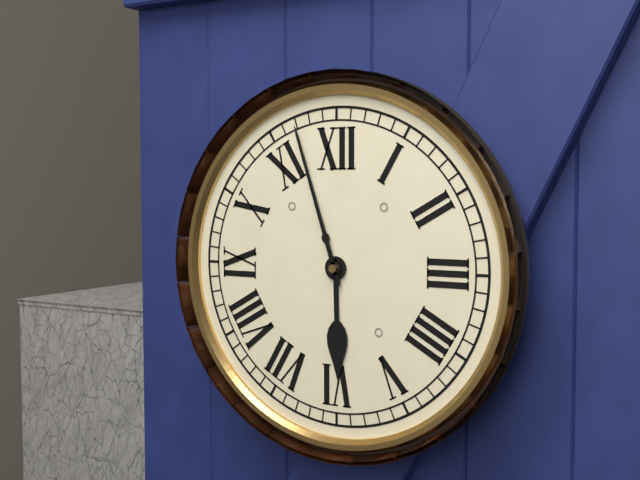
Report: 5:57
